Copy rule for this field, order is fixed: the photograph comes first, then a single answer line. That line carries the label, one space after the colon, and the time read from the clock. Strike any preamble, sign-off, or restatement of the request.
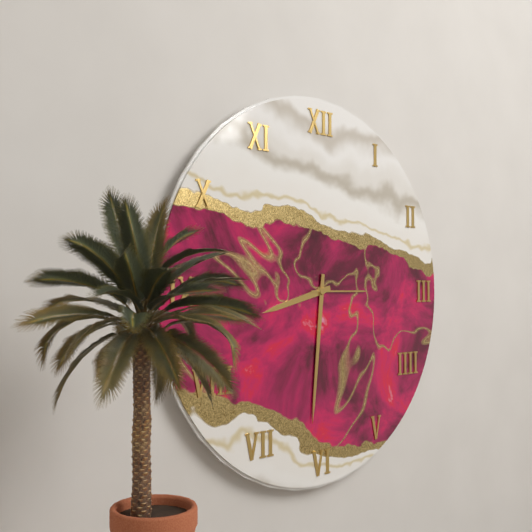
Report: 8:31:15
